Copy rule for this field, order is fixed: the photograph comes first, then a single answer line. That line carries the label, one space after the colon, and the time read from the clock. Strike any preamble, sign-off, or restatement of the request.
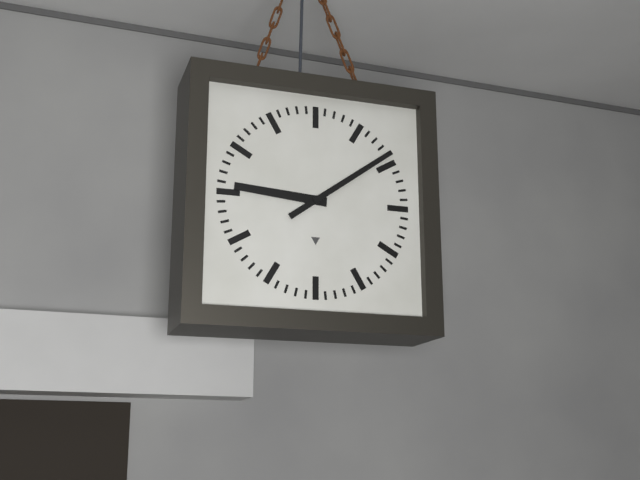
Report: 9:09
